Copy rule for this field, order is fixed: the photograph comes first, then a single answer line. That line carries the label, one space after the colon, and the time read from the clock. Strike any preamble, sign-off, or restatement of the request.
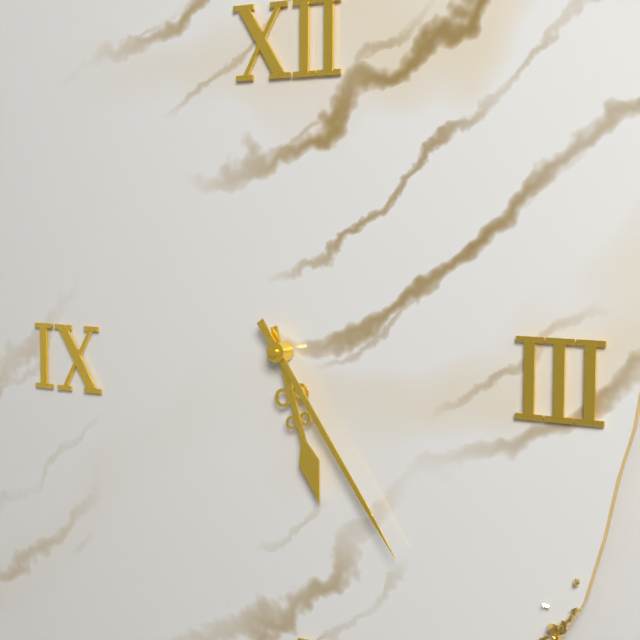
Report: 5:24
